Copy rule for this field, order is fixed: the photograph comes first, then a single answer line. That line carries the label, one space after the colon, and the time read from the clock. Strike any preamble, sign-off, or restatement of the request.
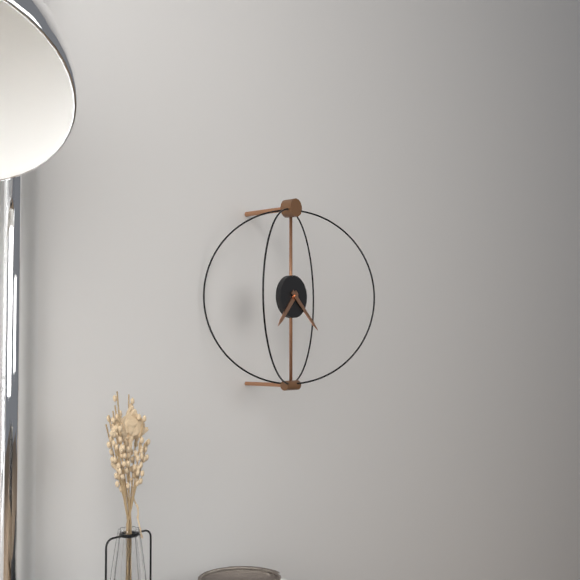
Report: 7:22
